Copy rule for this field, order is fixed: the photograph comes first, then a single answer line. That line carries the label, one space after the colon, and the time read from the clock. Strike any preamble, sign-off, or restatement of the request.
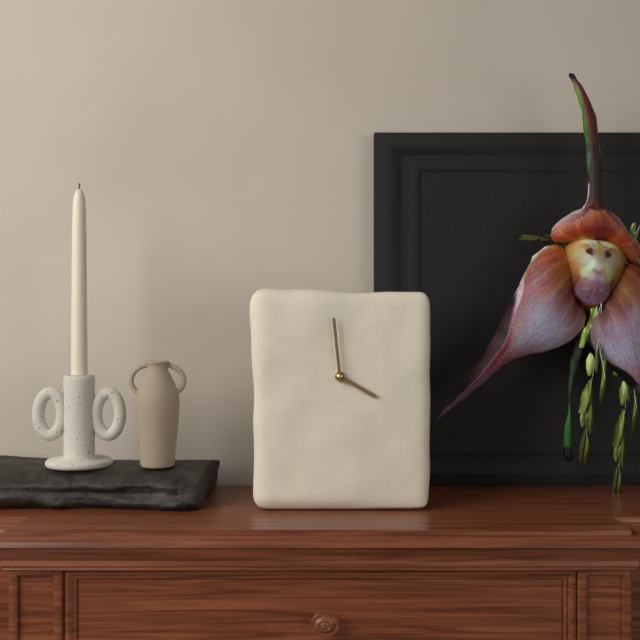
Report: 3:59
